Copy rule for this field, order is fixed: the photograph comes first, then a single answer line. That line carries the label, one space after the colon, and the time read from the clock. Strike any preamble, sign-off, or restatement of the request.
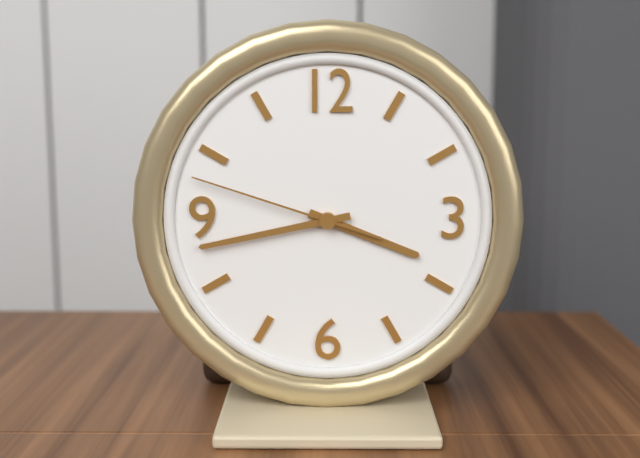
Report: 3:43:48
